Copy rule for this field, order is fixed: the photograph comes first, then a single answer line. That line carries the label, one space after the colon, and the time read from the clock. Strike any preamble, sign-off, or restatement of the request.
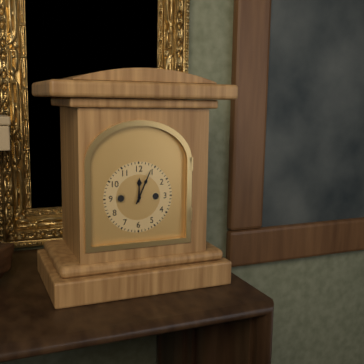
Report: 12:04
